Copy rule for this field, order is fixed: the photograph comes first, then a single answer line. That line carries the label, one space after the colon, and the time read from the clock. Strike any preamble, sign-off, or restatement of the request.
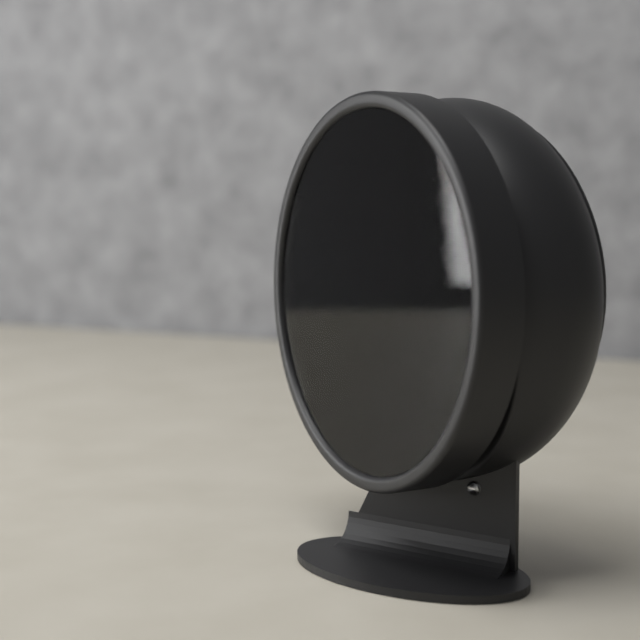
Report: 3:48:42
